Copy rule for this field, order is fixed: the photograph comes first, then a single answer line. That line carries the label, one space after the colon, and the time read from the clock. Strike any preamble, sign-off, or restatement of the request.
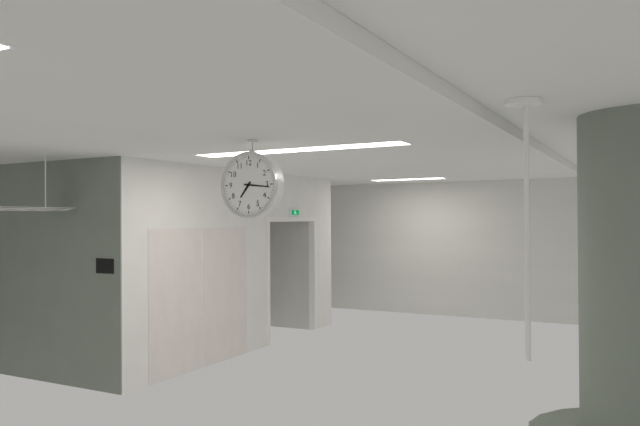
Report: 7:16
